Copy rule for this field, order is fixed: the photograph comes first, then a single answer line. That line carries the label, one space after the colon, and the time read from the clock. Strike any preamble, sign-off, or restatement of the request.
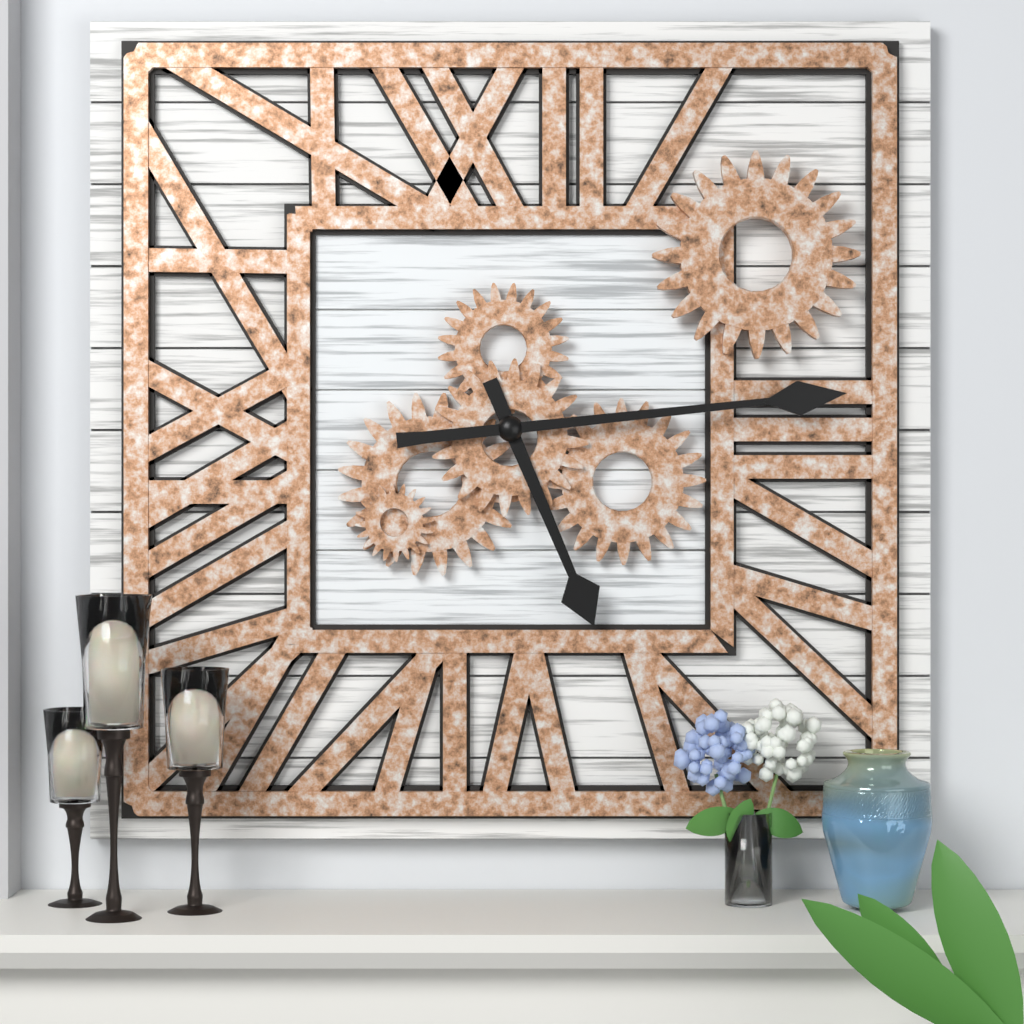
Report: 5:14
